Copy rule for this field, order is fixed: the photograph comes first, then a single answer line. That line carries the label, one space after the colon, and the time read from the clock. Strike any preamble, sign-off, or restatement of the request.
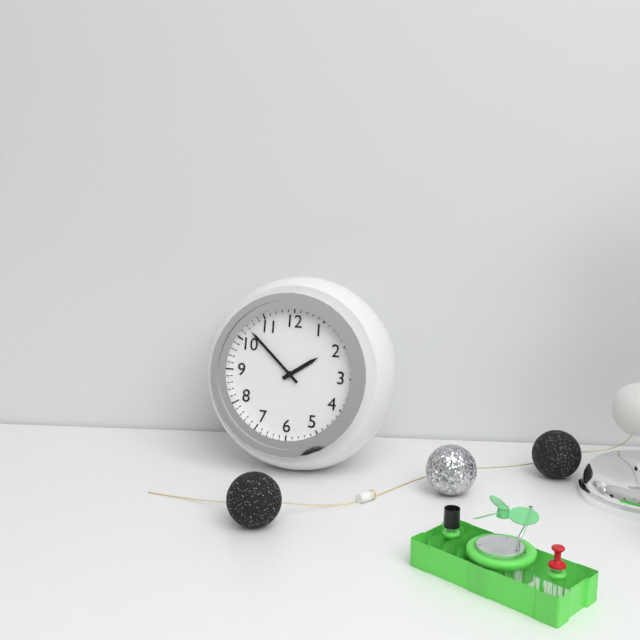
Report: 1:52
